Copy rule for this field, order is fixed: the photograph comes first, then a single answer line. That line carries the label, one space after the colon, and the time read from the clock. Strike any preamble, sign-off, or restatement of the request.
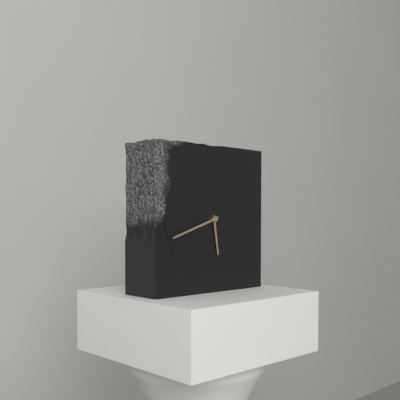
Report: 5:42
